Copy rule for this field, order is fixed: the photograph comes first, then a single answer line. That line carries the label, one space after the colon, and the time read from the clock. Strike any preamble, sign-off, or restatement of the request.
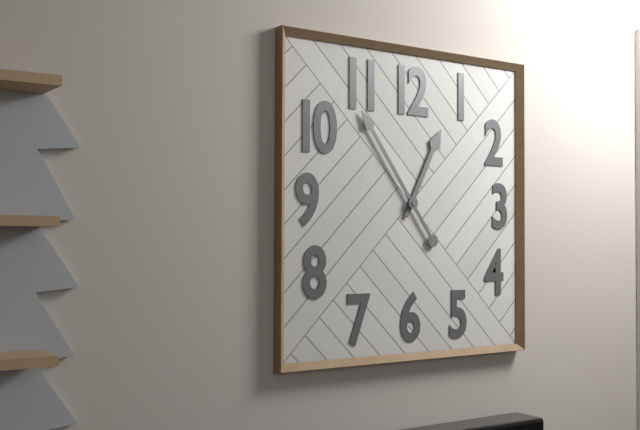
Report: 12:54
